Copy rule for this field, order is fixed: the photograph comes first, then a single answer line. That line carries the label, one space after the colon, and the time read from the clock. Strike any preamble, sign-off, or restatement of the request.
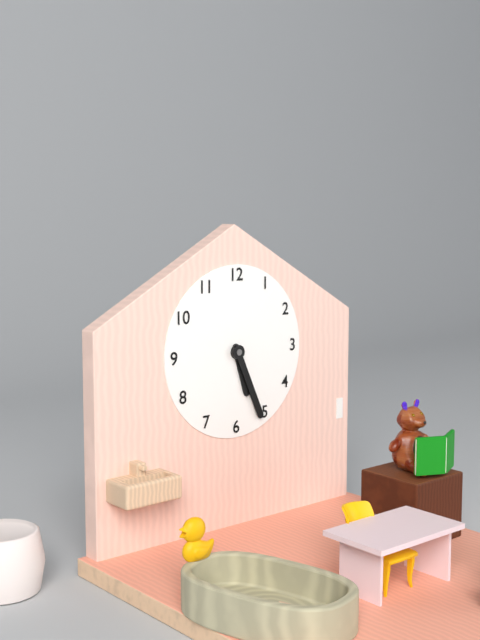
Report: 5:26
